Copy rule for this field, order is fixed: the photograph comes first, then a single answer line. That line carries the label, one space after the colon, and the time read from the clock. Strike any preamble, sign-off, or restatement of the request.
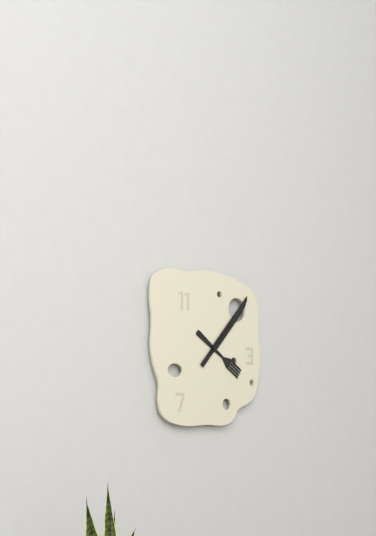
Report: 4:07
